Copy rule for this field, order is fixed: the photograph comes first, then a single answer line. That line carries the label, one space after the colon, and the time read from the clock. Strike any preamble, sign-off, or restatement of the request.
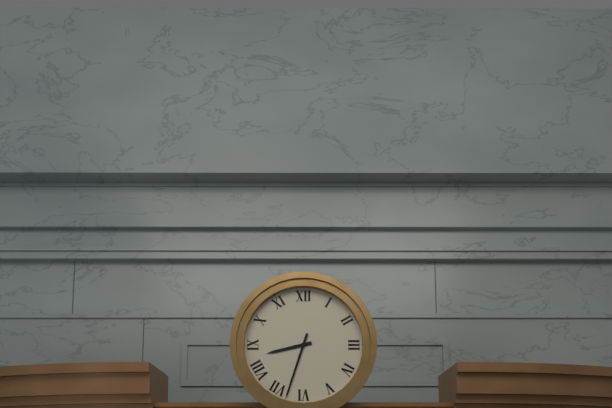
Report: 8:33
